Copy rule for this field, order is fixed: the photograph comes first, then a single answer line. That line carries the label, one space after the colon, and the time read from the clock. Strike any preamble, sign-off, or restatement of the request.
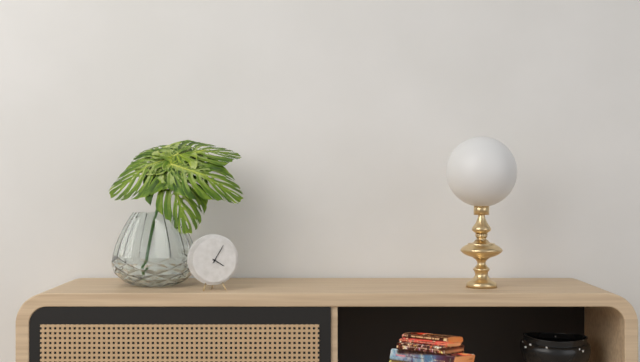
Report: 4:05
